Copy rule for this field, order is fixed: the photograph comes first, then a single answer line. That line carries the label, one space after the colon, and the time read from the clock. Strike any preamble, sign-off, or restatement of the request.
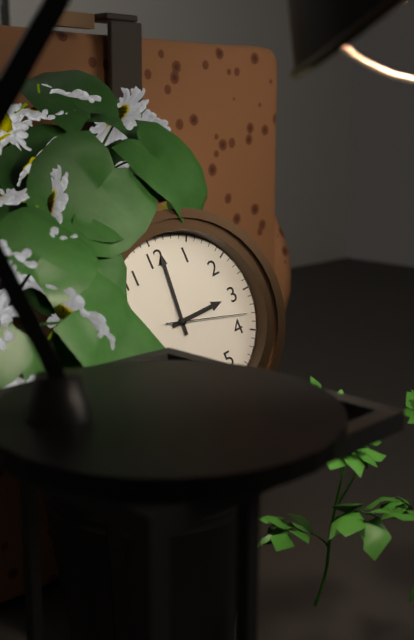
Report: 3:01:18
